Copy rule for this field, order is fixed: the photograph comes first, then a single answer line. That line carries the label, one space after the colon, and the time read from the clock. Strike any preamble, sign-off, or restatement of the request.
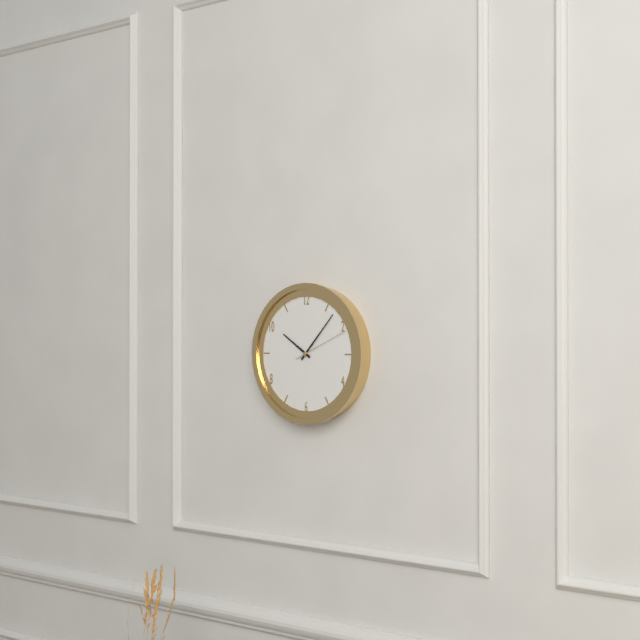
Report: 10:07:11
